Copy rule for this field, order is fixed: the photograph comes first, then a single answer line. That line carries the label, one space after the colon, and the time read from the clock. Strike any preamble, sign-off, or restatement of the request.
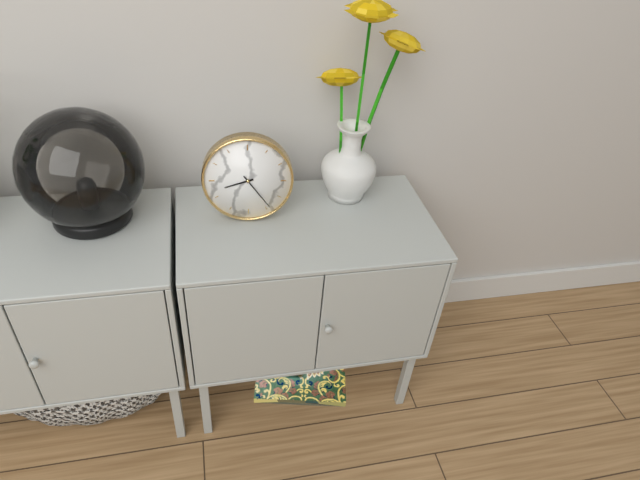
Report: 8:24
